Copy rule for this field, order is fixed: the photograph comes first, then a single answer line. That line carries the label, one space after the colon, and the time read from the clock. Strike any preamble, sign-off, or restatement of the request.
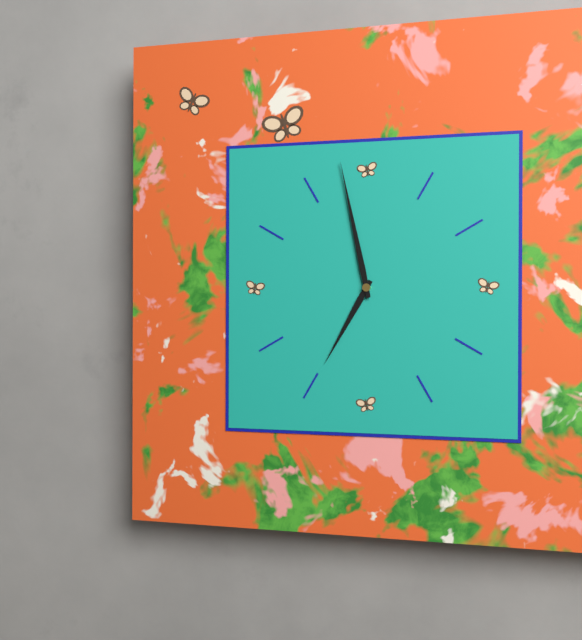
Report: 6:58
